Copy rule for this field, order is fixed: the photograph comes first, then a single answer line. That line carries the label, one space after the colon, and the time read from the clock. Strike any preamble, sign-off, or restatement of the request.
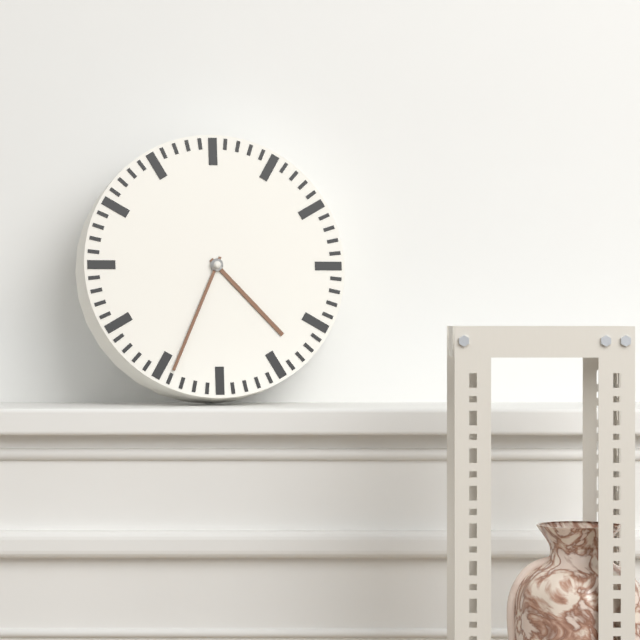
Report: 4:34
